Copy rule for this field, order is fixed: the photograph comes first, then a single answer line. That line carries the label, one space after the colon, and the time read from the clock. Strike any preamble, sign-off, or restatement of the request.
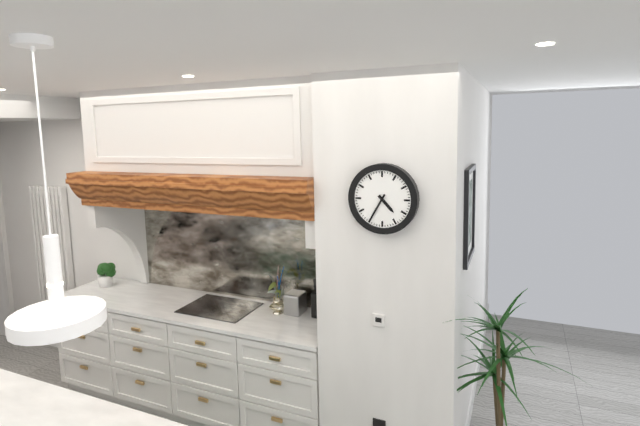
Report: 4:35
